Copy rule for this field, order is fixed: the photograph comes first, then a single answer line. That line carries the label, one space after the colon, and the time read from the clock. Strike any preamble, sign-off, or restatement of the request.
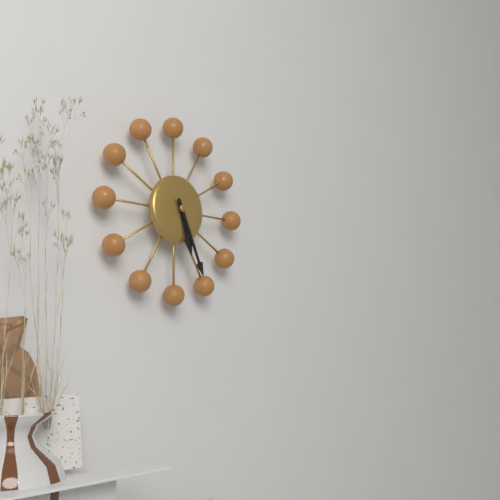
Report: 5:26
